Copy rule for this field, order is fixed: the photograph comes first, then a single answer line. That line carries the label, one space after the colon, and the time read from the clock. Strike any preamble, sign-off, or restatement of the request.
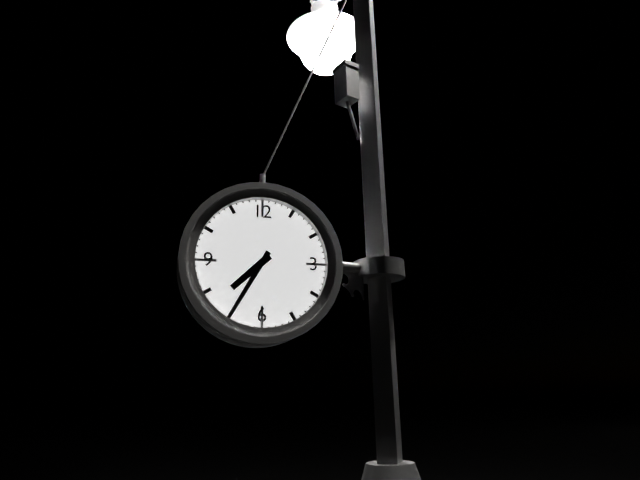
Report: 7:35
